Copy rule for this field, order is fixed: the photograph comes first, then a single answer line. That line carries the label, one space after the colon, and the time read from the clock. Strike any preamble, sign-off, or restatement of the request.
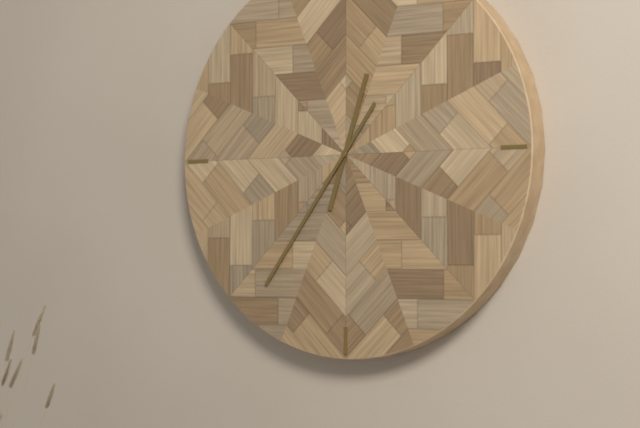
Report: 12:36
